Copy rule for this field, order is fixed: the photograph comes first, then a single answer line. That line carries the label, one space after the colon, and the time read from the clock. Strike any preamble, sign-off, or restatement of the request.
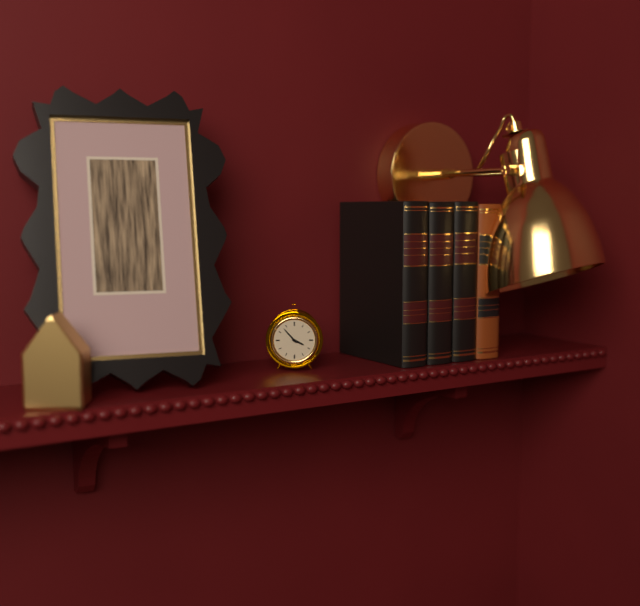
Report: 3:53
